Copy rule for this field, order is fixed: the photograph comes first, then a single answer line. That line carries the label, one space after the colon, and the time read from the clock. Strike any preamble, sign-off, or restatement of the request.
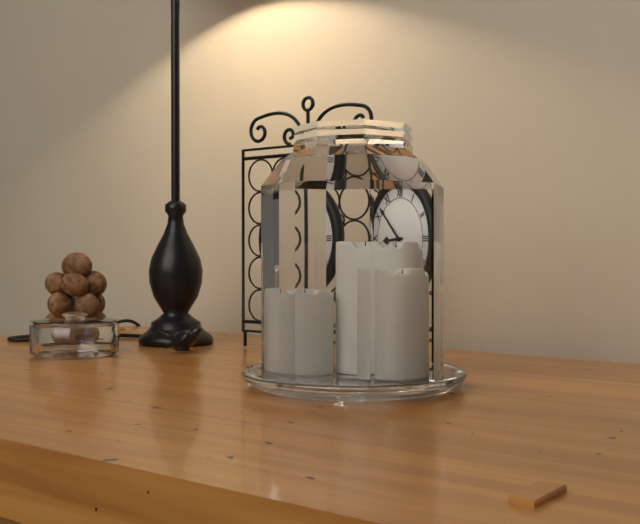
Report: 8:52
